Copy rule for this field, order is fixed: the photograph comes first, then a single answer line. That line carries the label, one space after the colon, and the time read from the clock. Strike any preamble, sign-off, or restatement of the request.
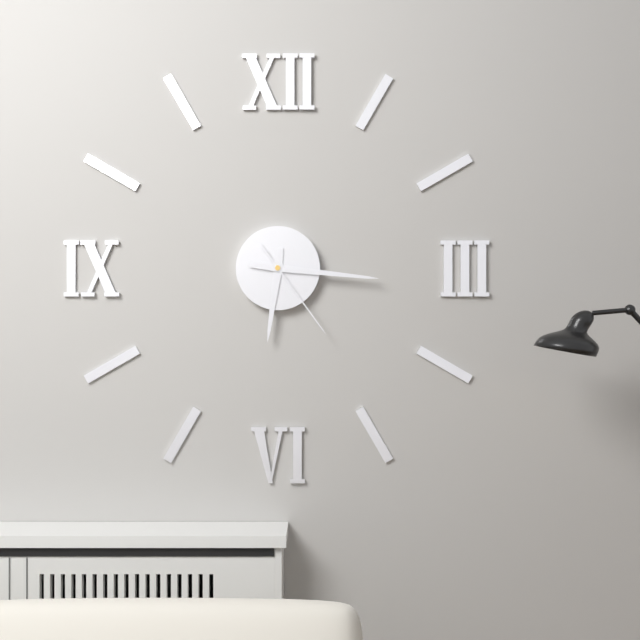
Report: 6:16:24
